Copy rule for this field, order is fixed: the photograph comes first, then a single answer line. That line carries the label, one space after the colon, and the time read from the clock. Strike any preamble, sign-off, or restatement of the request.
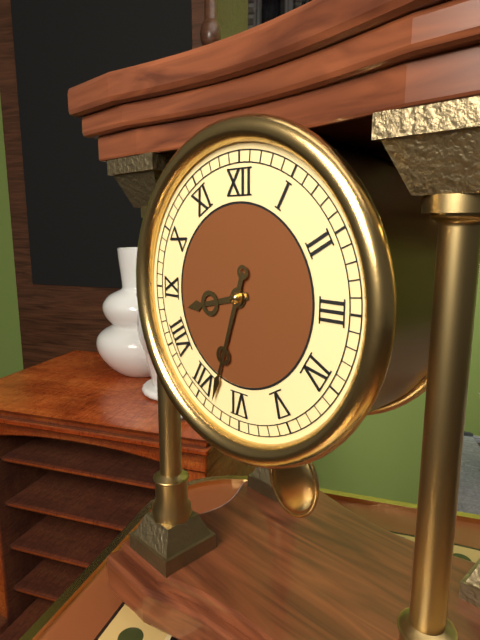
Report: 8:33
